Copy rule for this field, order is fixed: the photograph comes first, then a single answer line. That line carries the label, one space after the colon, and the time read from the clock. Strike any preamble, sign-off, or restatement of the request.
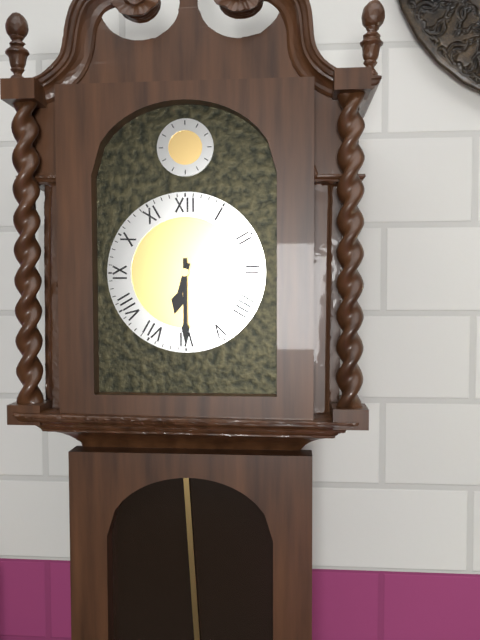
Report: 6:30
